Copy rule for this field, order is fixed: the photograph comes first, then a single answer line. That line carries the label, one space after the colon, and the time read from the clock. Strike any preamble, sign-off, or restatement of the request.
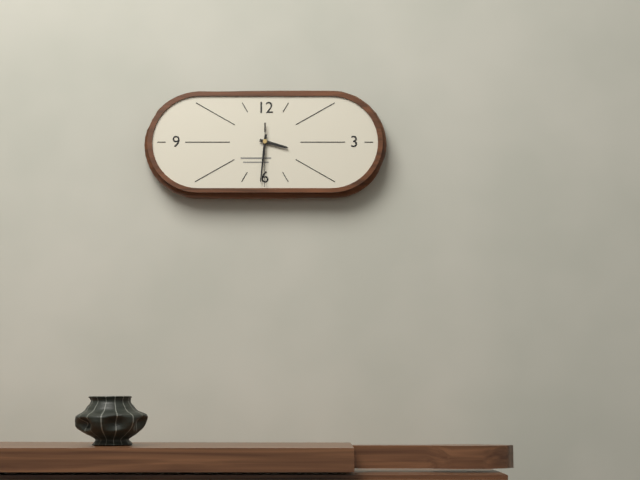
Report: 3:31:30
